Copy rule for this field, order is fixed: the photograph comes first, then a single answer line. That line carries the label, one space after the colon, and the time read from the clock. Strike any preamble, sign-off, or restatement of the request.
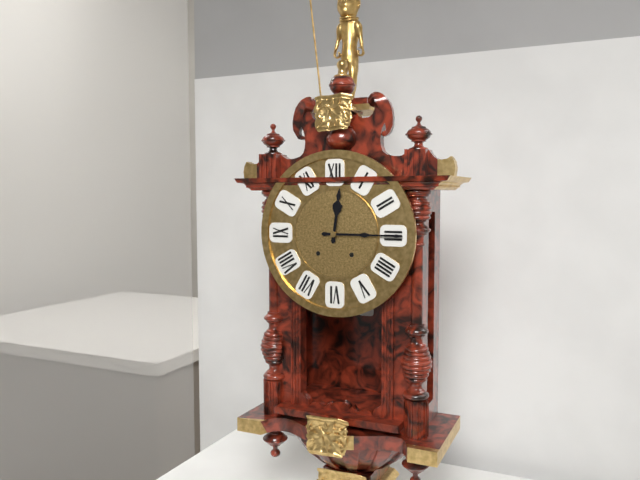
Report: 12:15
